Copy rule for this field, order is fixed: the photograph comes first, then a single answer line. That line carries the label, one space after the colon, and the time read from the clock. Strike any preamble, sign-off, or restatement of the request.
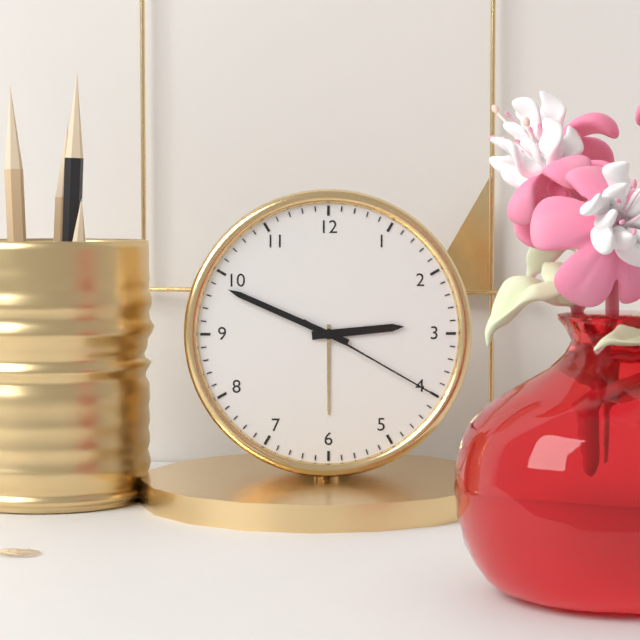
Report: 2:49:20
